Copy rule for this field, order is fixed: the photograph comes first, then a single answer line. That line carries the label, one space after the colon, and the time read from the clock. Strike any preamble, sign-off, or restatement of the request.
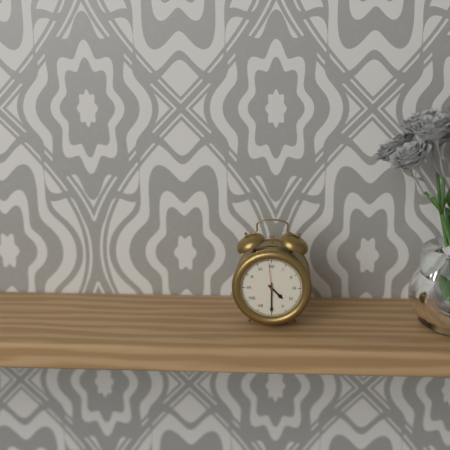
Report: 4:30
